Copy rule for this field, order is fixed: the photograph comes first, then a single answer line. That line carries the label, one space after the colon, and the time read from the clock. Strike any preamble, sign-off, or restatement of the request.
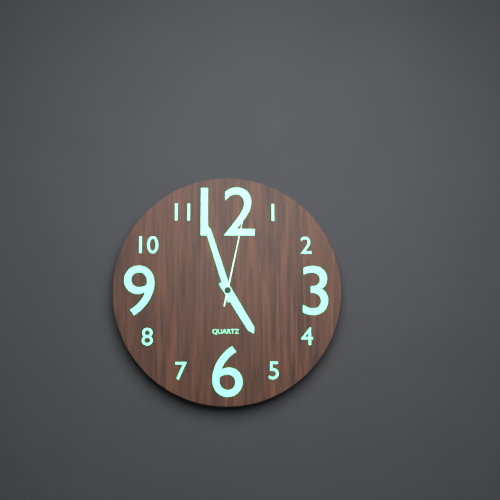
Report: 4:57:02
